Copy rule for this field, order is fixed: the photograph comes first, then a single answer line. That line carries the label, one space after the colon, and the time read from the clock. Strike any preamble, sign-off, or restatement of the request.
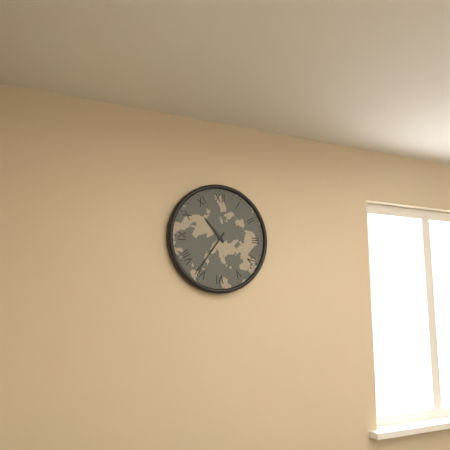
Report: 10:36
